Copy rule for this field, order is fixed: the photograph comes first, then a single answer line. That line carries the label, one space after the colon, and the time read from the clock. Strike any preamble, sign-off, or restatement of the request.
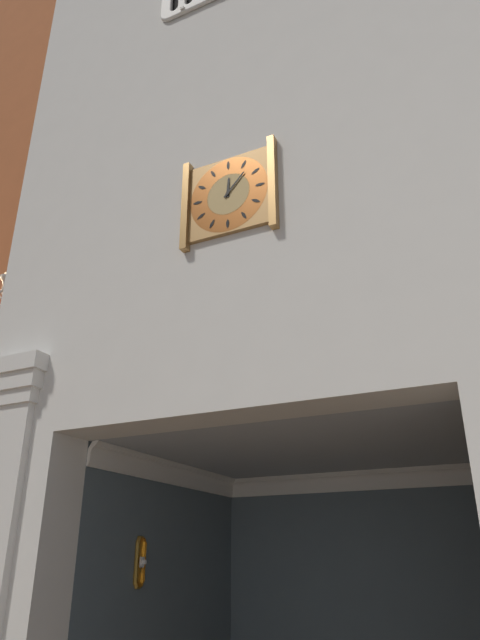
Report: 12:07
